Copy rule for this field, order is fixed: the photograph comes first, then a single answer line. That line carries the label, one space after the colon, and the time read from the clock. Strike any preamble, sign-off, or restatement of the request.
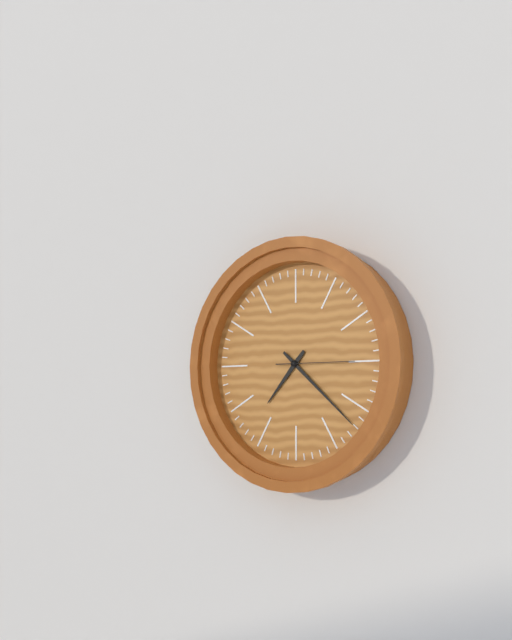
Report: 7:22:15
